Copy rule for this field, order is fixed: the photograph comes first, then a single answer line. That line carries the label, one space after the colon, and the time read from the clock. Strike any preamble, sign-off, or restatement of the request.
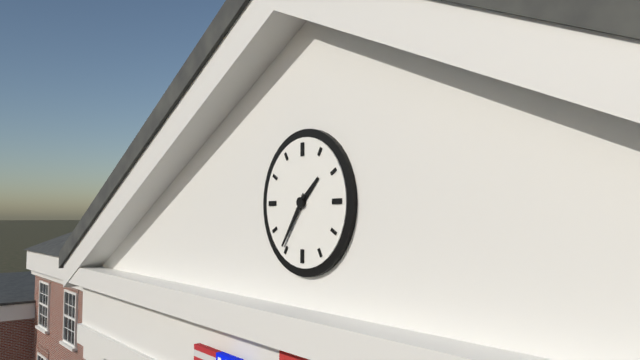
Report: 1:36
